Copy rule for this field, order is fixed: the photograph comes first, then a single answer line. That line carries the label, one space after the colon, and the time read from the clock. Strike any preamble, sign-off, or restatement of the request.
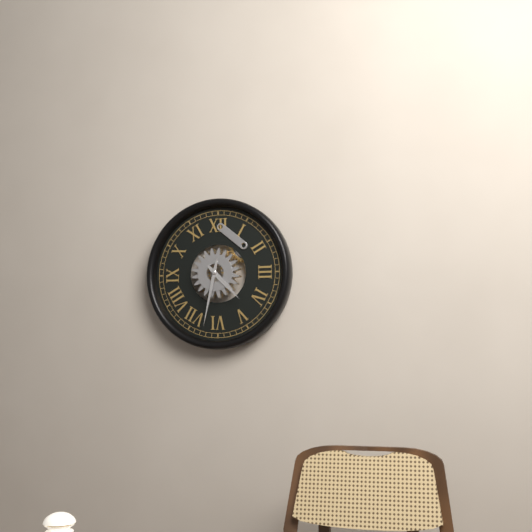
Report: 4:32
